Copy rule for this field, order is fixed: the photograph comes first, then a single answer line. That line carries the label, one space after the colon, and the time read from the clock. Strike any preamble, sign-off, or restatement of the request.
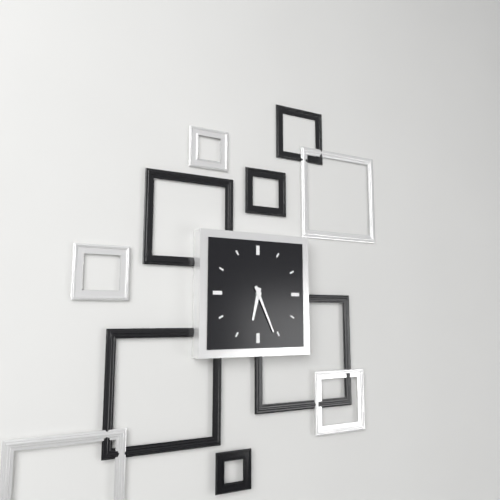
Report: 6:26
